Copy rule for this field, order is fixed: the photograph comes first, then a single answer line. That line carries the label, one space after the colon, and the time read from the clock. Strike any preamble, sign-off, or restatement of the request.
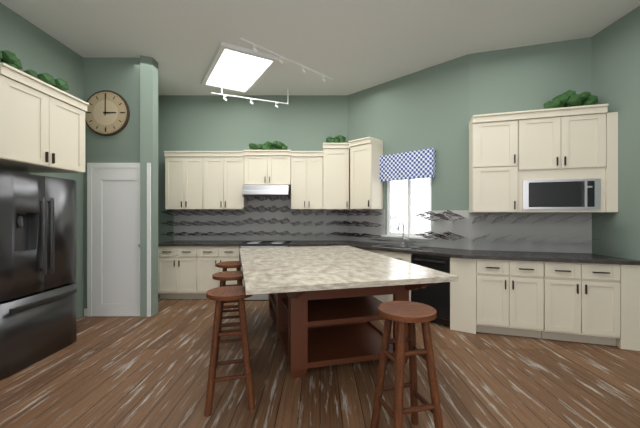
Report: 3:00
